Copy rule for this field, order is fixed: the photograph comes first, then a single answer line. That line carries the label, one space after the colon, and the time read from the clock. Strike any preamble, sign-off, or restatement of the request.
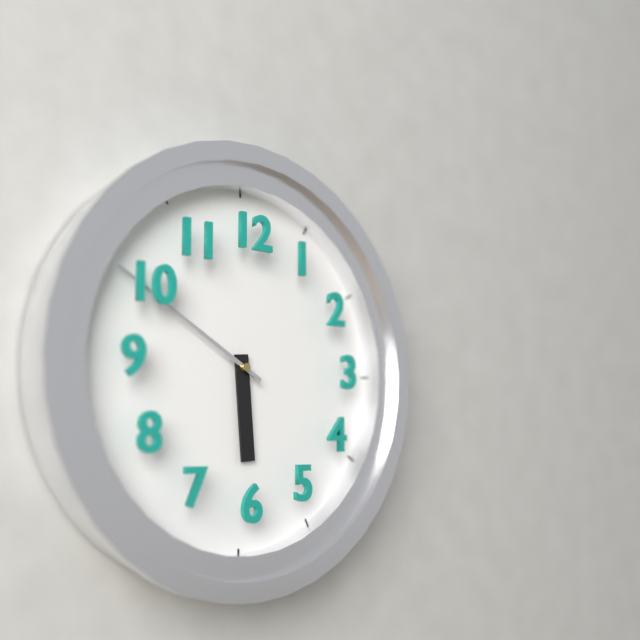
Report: 5:50
